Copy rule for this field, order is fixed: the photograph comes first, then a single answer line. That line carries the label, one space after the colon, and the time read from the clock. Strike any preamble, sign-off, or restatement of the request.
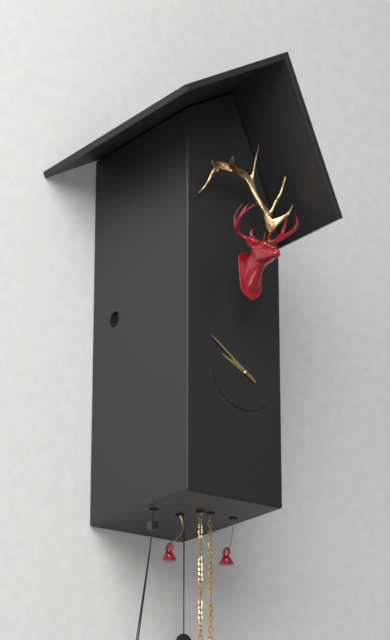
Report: 9:51
